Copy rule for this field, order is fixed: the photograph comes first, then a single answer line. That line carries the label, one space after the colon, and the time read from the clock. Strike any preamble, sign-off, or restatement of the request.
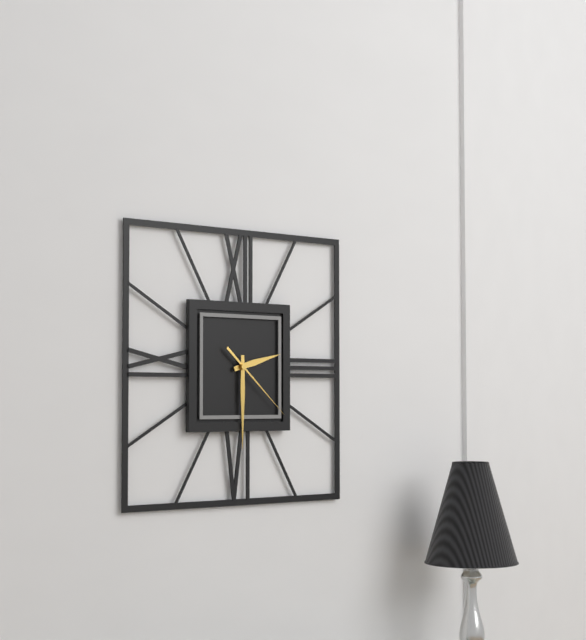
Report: 2:30:22
